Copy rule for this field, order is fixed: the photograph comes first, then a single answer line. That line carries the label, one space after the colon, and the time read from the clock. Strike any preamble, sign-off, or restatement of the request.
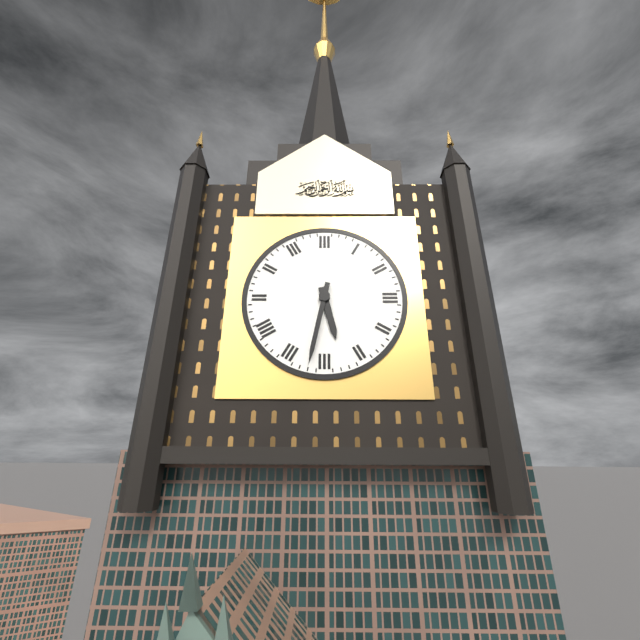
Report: 5:32
